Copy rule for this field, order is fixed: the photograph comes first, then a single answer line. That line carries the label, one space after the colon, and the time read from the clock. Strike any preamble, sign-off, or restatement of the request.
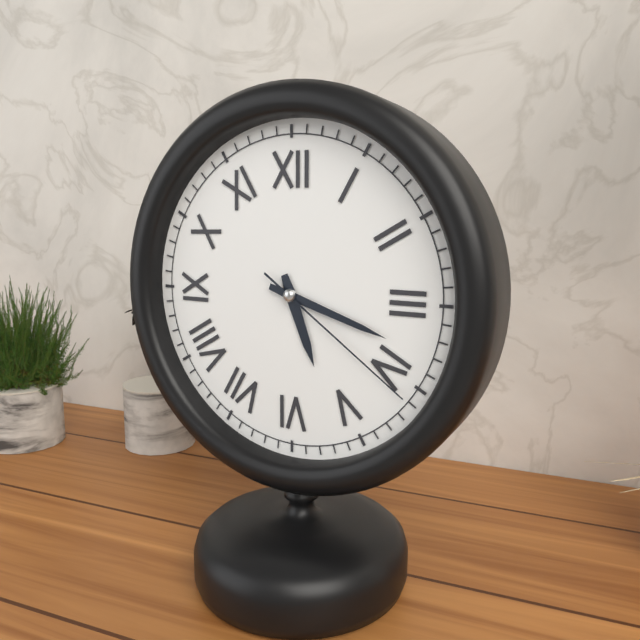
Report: 5:18:21
